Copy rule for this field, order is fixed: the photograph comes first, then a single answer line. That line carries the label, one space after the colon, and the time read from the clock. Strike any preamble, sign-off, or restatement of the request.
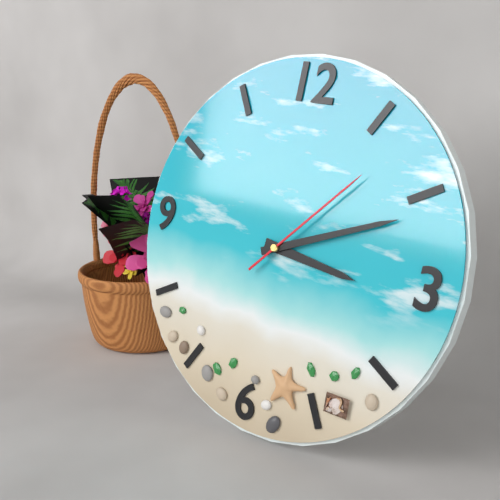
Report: 3:11:07
